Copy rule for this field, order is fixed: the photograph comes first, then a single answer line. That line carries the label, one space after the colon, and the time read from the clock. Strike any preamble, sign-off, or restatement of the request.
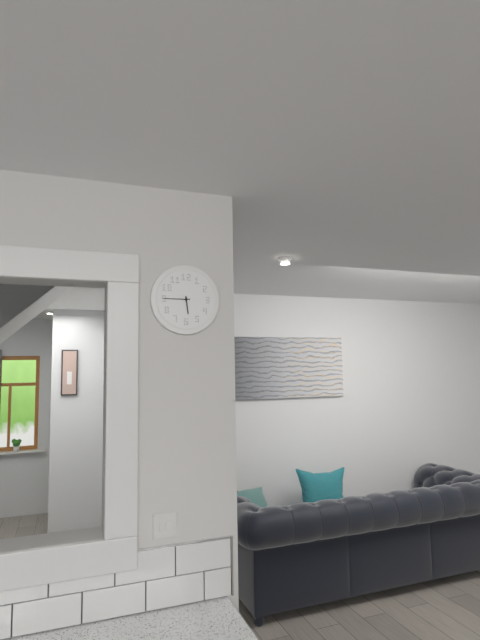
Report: 5:45
